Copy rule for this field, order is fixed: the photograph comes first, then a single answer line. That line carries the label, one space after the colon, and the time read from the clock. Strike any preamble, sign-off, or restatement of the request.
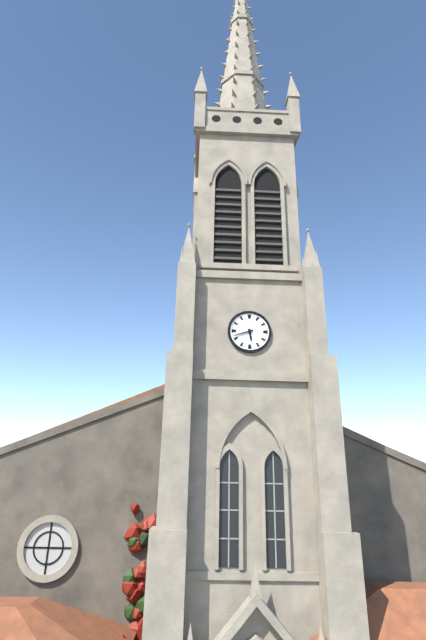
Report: 5:42
